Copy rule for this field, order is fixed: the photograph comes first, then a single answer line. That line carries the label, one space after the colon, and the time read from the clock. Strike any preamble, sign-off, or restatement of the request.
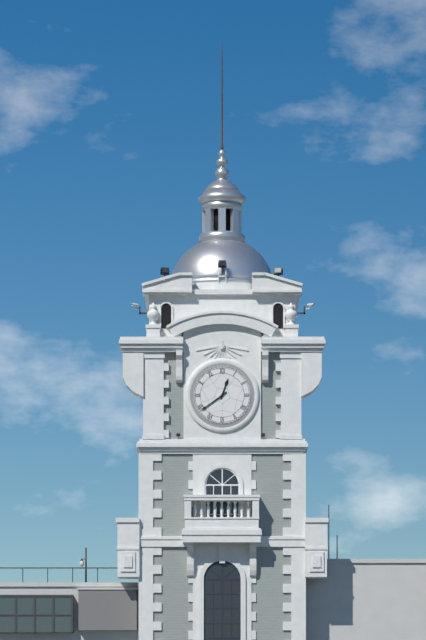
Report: 12:39
